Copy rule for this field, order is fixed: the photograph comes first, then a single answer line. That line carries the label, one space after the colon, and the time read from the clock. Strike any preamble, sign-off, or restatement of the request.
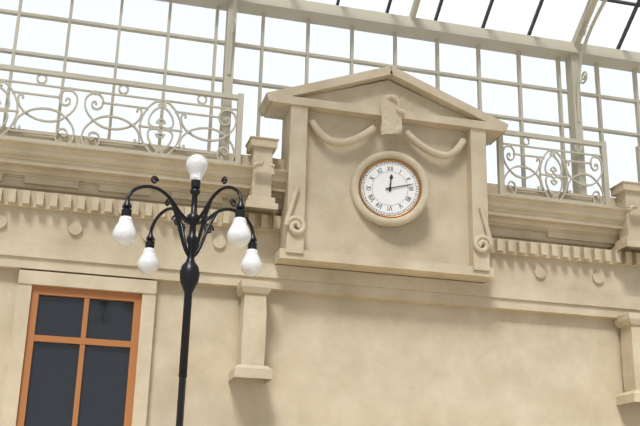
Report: 12:13
